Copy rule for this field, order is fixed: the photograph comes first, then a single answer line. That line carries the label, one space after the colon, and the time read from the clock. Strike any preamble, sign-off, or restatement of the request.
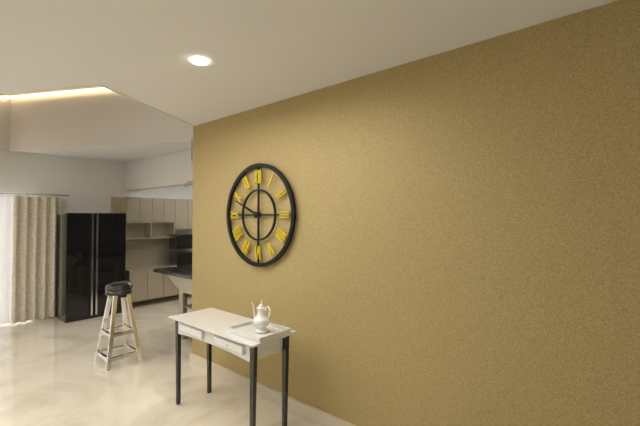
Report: 9:49
